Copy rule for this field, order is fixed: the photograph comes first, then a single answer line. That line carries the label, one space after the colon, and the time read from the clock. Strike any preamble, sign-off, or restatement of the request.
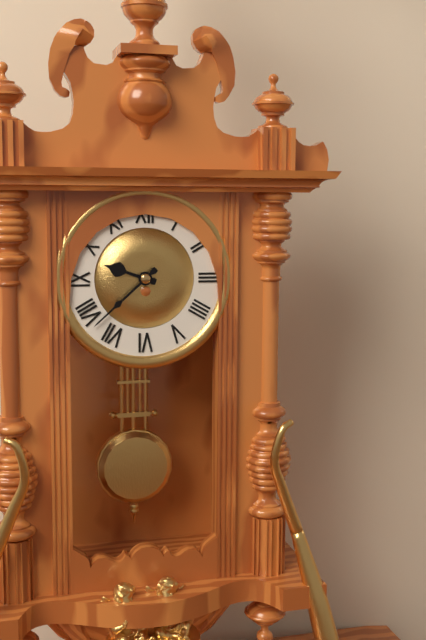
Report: 9:38
